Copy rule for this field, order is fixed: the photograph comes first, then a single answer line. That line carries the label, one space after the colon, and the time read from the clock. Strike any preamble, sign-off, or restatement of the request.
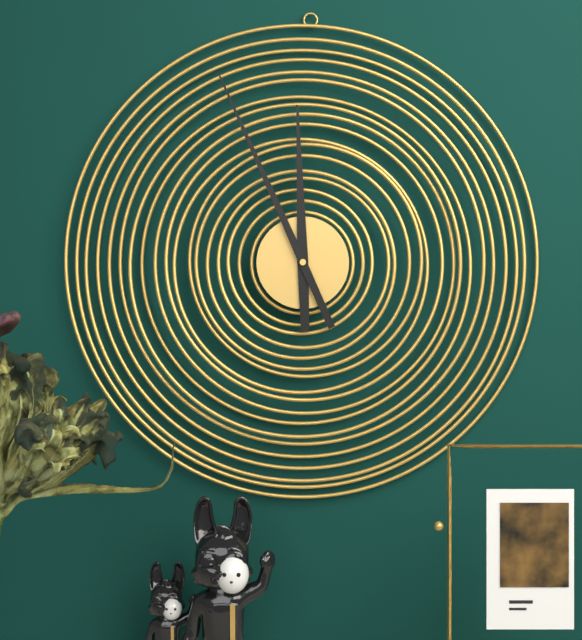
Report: 11:56
